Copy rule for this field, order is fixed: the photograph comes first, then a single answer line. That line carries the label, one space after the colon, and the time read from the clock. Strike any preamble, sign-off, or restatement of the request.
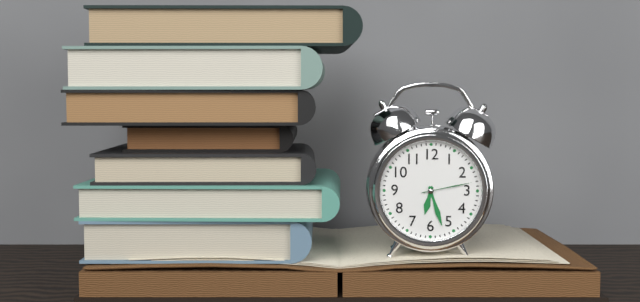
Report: 6:27:13
